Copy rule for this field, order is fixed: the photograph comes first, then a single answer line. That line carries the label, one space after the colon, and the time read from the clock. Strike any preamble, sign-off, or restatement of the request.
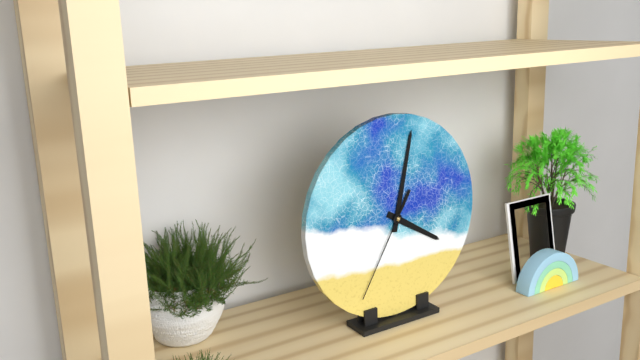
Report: 4:02:35
